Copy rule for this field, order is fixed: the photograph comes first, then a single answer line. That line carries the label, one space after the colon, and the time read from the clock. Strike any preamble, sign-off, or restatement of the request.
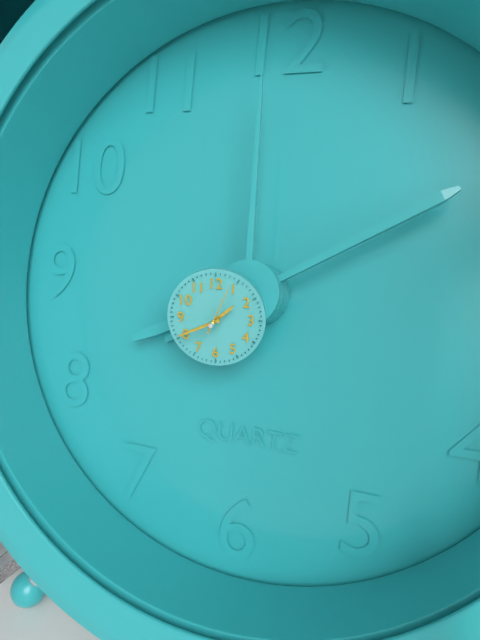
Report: 1:41
